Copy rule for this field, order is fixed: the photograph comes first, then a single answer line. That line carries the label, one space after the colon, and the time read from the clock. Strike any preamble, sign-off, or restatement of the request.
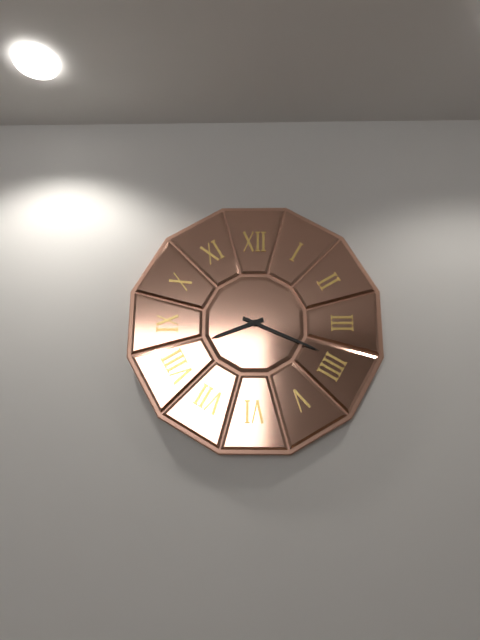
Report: 8:19
